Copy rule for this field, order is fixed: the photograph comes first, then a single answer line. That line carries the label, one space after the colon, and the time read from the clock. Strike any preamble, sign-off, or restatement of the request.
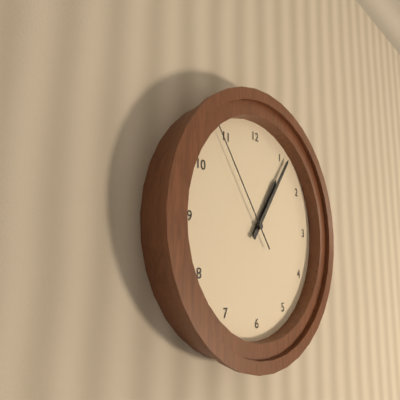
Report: 1:06:54
